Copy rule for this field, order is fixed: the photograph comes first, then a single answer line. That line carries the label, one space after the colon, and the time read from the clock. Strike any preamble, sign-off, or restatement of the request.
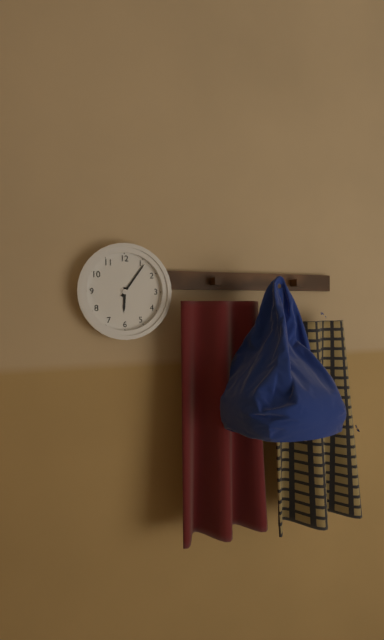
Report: 6:06
